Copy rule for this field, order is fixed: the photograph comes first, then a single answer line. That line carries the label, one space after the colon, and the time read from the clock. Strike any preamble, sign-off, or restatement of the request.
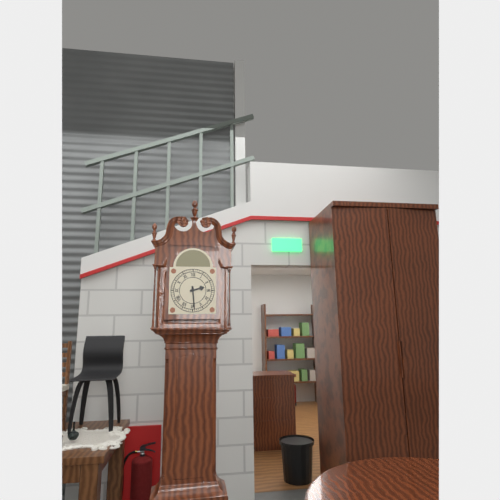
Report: 2:29
